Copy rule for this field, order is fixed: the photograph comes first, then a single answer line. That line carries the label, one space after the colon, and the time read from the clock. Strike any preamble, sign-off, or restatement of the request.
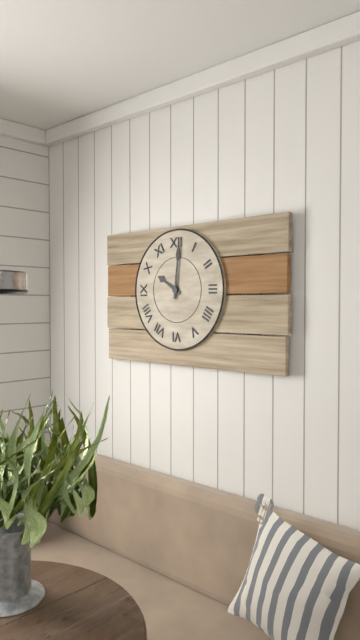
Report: 10:01
